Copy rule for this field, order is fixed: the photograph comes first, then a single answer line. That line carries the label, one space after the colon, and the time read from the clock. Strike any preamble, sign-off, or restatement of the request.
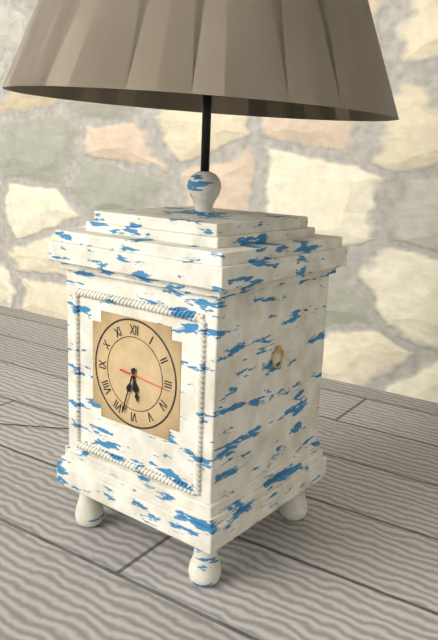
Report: 5:33:16
